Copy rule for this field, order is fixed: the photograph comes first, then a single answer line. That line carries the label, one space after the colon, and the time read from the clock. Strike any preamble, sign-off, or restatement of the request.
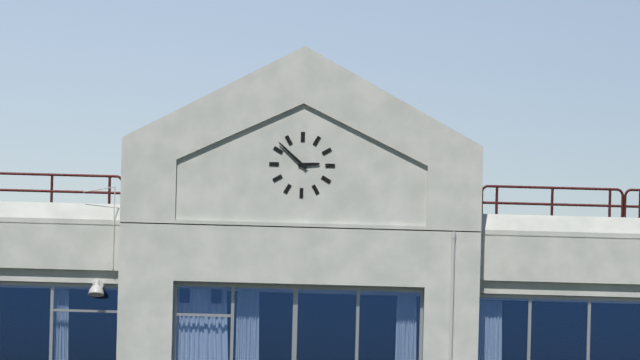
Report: 2:52
